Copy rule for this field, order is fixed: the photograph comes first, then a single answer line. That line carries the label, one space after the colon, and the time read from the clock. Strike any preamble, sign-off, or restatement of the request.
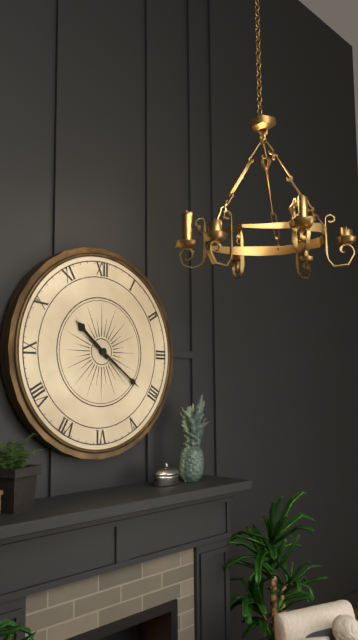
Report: 10:21
